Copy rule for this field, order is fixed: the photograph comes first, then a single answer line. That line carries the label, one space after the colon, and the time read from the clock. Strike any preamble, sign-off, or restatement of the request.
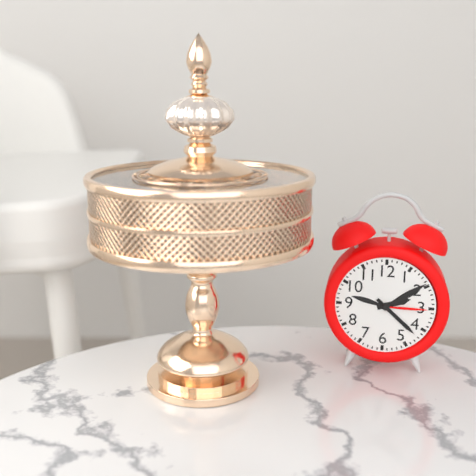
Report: 2:22
